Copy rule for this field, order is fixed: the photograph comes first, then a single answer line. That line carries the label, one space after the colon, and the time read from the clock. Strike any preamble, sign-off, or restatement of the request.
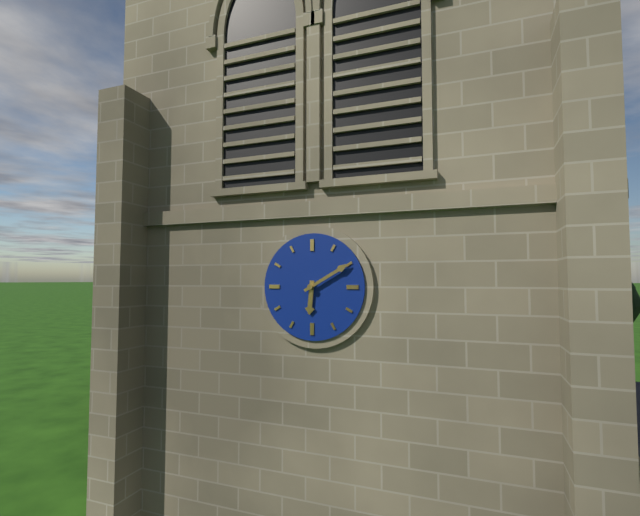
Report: 6:10
